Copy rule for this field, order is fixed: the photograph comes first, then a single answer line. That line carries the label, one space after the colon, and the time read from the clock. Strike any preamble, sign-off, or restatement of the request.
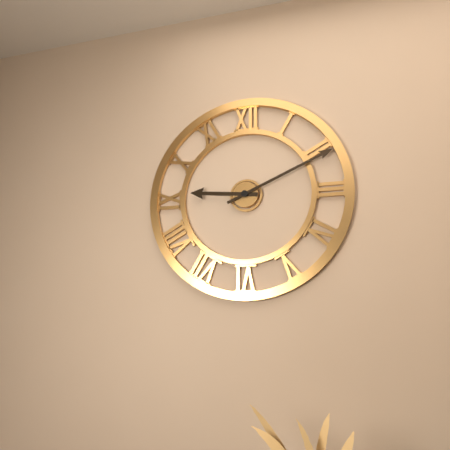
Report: 9:11
